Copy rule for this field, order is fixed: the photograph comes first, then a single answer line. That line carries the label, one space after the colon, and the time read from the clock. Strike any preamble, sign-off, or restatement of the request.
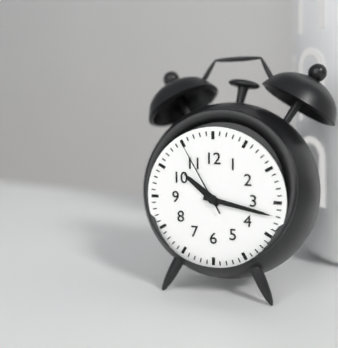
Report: 10:17:55
